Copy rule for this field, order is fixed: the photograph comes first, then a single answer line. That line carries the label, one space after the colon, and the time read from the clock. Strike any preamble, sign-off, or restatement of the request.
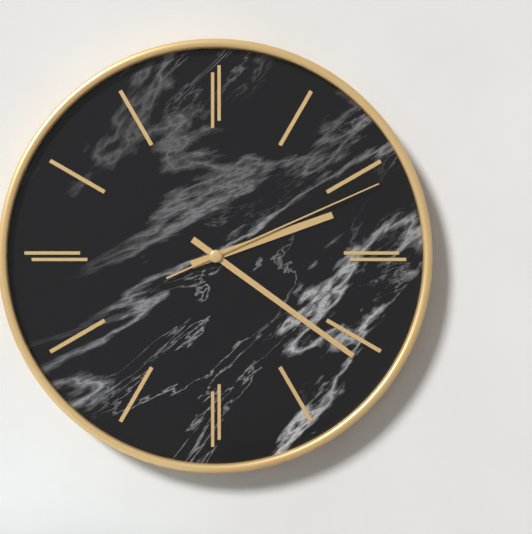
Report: 2:21:11
